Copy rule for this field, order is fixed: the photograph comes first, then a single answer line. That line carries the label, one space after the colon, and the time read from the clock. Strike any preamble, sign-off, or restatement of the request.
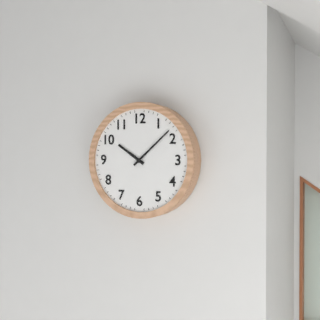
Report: 10:08
